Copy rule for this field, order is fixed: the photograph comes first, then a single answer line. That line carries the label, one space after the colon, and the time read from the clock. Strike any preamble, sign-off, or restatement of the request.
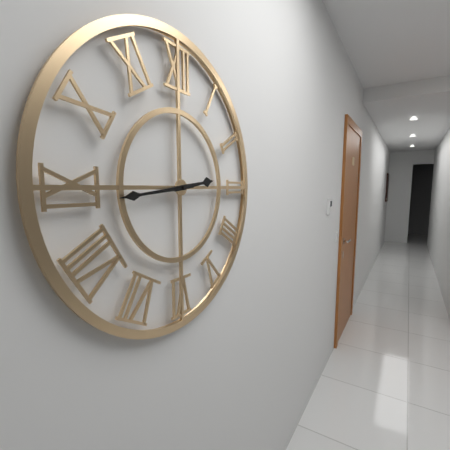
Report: 2:44
